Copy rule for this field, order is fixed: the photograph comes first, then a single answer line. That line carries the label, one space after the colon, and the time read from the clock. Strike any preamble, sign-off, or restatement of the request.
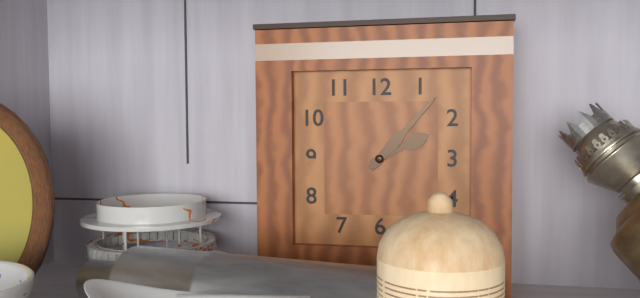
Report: 2:07
